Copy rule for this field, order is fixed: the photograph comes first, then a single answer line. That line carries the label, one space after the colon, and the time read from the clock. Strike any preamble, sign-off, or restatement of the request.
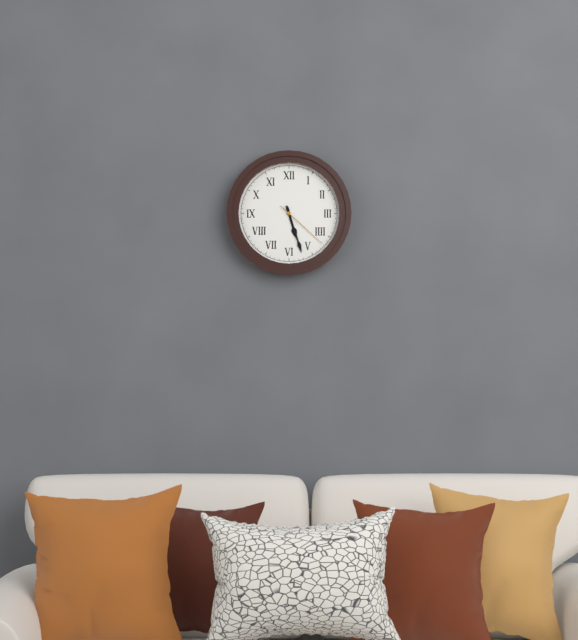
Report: 5:27:22
